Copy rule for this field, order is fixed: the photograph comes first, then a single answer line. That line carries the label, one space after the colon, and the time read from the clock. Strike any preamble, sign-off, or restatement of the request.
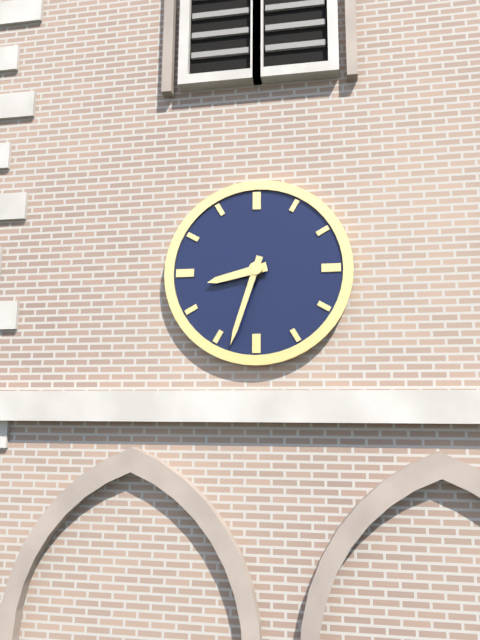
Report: 8:33
